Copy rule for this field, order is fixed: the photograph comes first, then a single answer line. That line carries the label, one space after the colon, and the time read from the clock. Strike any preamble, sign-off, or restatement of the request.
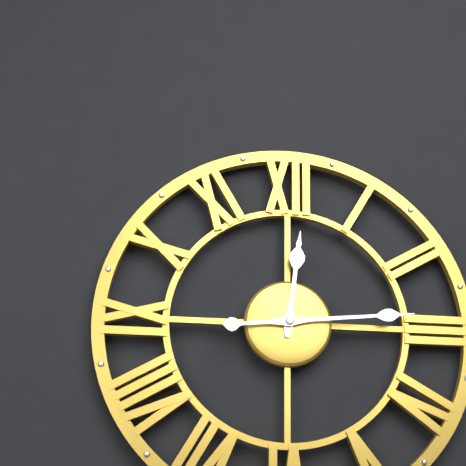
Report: 12:14
